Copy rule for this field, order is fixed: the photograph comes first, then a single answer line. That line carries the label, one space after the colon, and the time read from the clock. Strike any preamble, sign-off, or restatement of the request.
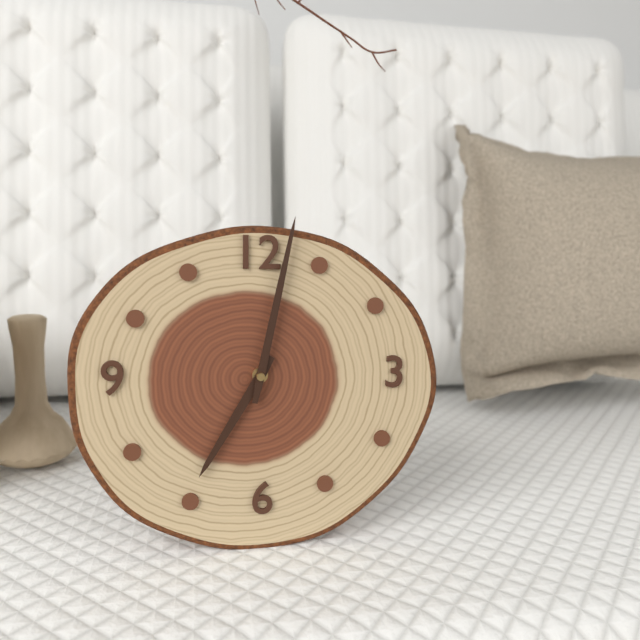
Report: 7:02
